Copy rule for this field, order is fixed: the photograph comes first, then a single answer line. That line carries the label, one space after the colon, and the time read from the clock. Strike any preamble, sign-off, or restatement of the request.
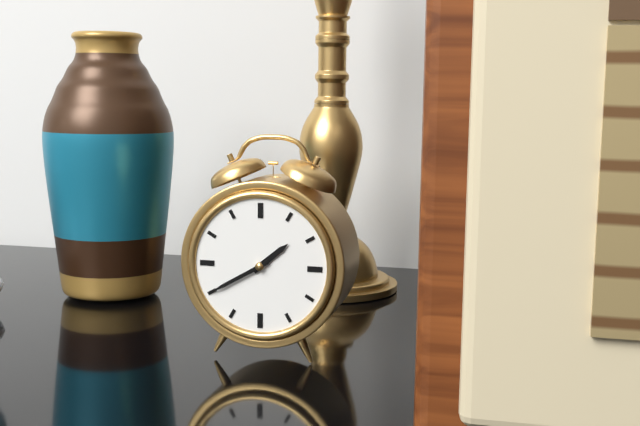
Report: 1:40
